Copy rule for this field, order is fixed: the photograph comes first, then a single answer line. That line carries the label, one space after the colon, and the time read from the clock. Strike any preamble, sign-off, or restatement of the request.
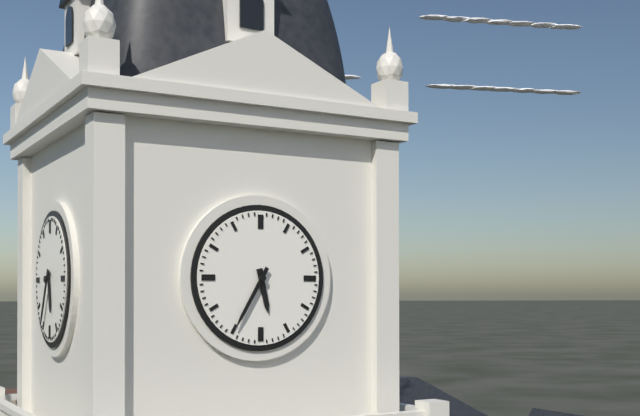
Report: 5:35
